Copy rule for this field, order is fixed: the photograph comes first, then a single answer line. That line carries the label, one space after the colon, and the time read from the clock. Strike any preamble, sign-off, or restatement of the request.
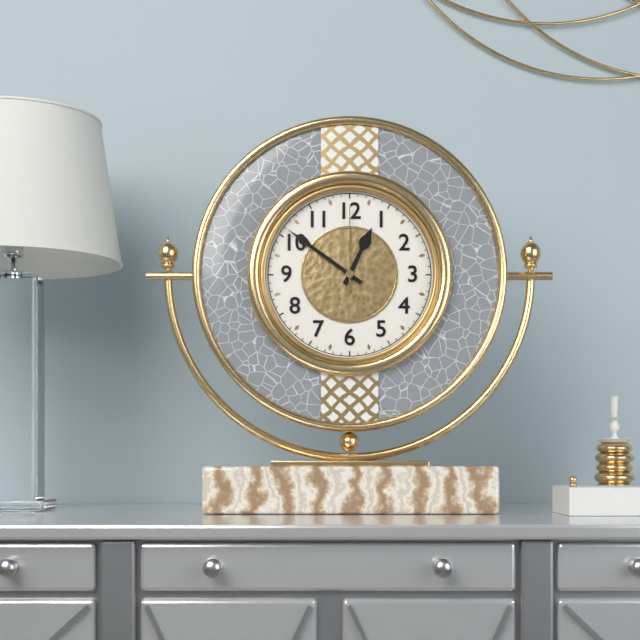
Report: 12:51:00
